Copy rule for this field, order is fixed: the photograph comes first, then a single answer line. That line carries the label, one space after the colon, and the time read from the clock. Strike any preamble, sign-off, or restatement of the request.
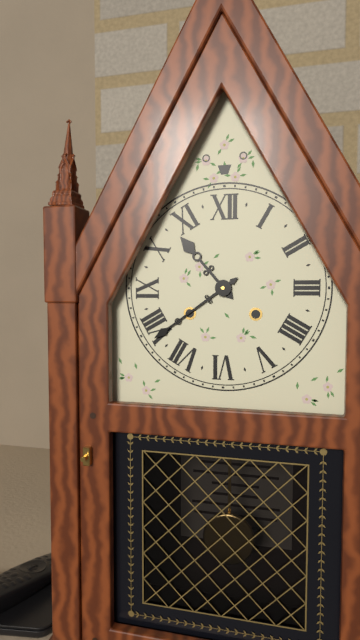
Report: 10:39
